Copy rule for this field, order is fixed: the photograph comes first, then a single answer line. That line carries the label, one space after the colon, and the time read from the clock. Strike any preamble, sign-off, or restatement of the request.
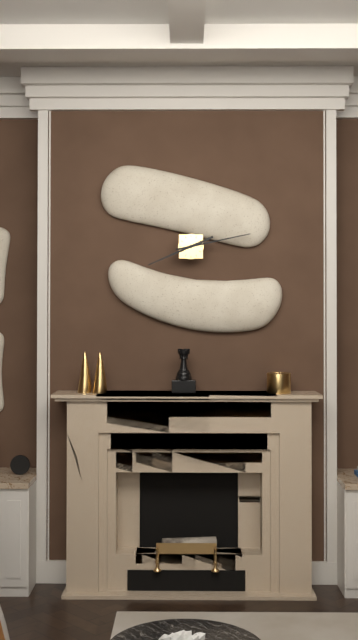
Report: 8:13
